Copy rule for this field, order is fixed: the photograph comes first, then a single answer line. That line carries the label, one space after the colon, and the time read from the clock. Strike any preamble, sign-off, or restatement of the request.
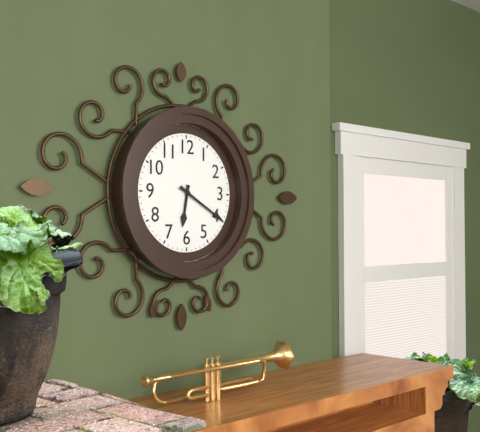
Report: 6:20
